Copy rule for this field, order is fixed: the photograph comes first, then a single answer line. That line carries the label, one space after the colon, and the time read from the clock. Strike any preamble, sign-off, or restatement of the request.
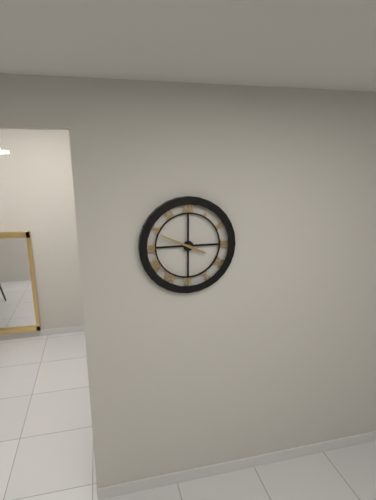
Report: 3:49
